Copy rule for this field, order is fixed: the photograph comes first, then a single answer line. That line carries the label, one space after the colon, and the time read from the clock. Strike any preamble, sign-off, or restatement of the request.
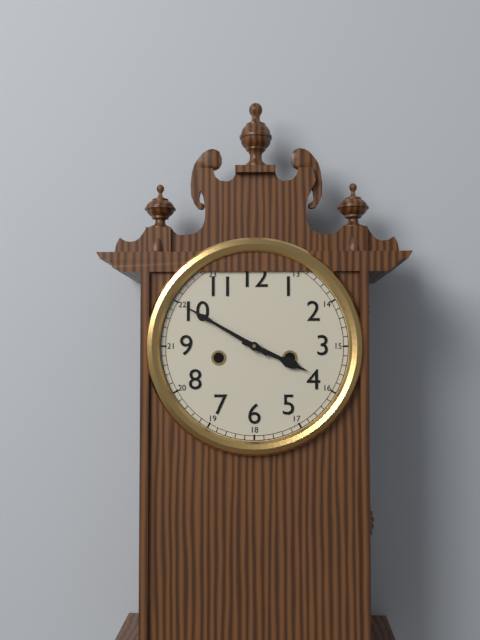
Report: 3:50
